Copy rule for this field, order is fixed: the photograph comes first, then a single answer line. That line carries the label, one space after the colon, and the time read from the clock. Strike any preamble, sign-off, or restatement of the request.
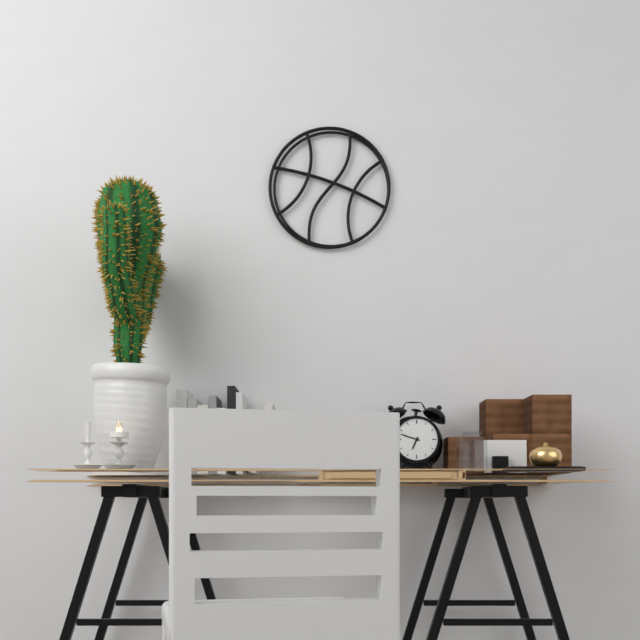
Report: 6:48
